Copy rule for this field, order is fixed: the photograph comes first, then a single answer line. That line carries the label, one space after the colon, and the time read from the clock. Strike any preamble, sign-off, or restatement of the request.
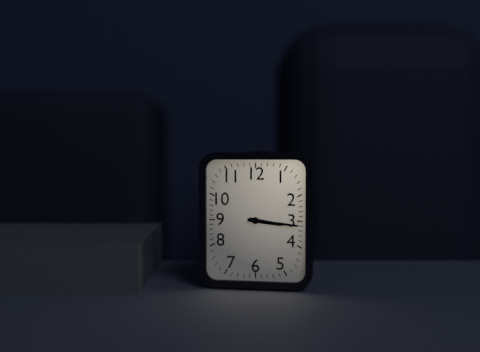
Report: 3:16
